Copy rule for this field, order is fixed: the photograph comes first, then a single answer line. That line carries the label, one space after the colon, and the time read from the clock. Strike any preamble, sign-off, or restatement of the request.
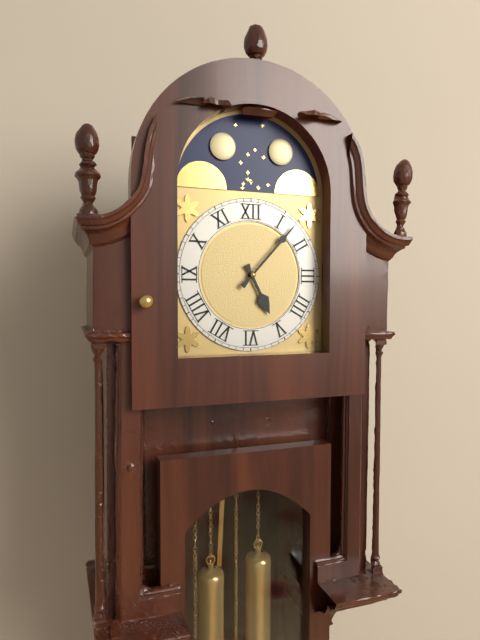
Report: 5:07
